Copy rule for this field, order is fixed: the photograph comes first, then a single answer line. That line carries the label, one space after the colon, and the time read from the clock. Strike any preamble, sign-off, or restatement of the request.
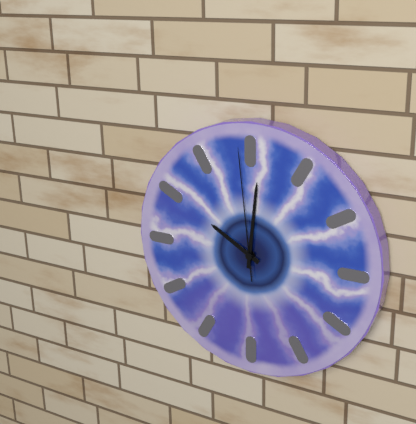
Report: 10:01:59
